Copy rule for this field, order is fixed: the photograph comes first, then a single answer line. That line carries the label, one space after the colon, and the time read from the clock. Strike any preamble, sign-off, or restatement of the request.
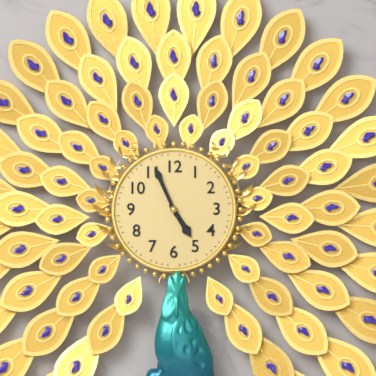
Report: 4:56
